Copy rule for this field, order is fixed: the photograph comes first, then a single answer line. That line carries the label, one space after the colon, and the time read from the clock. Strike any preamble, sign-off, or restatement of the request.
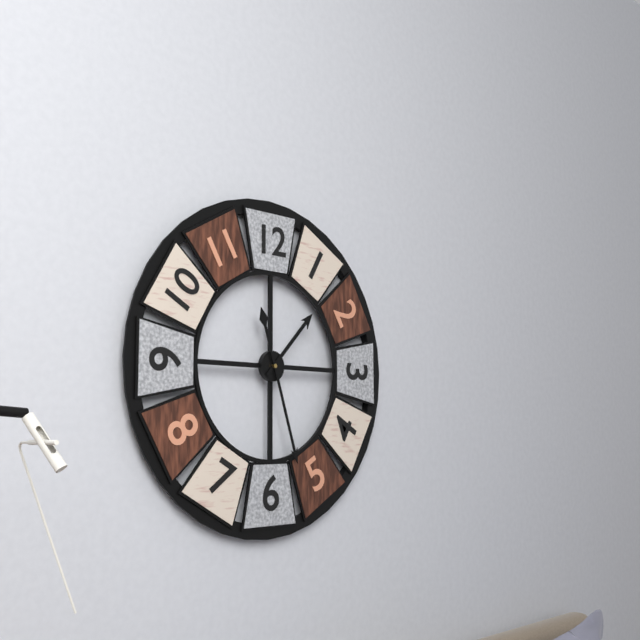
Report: 1:27
